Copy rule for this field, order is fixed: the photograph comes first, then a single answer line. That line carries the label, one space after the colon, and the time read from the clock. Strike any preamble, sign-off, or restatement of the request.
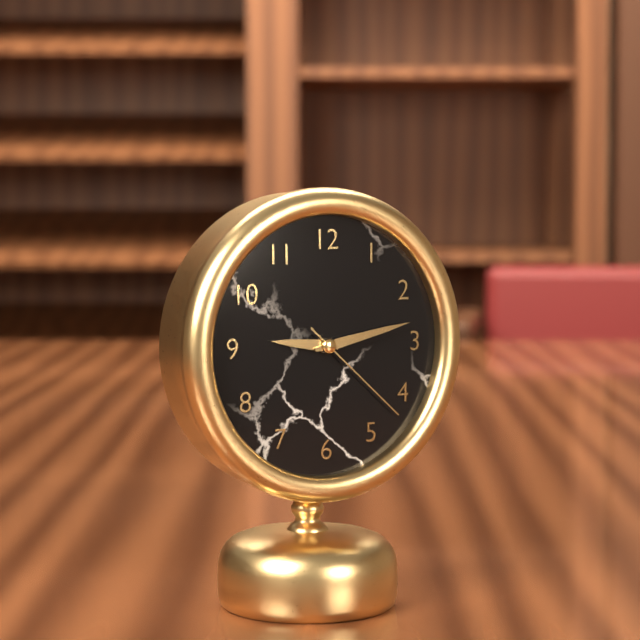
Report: 9:13:22
